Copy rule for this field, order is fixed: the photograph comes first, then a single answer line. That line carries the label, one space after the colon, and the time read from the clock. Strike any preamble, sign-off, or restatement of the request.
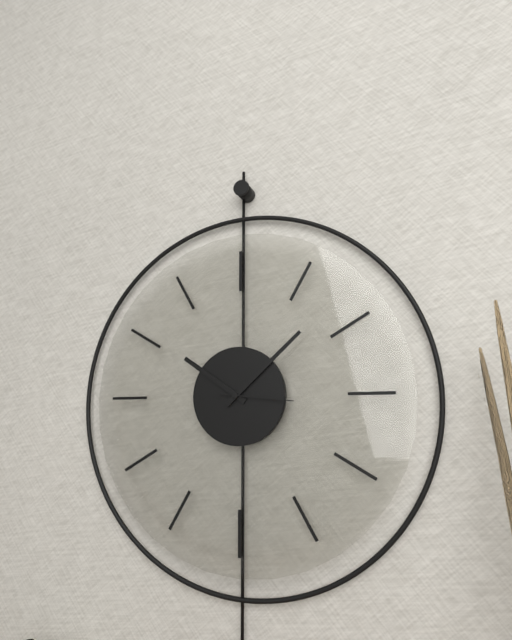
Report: 10:08:16
